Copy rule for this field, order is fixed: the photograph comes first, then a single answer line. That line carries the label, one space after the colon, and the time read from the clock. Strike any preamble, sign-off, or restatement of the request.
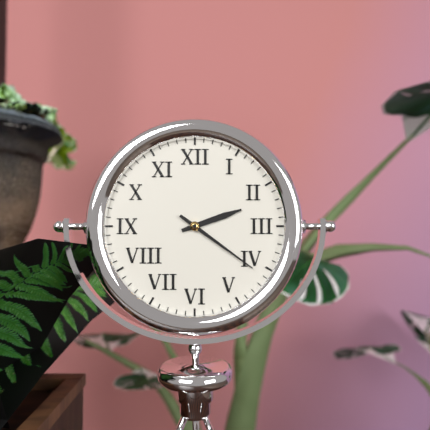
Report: 2:21
